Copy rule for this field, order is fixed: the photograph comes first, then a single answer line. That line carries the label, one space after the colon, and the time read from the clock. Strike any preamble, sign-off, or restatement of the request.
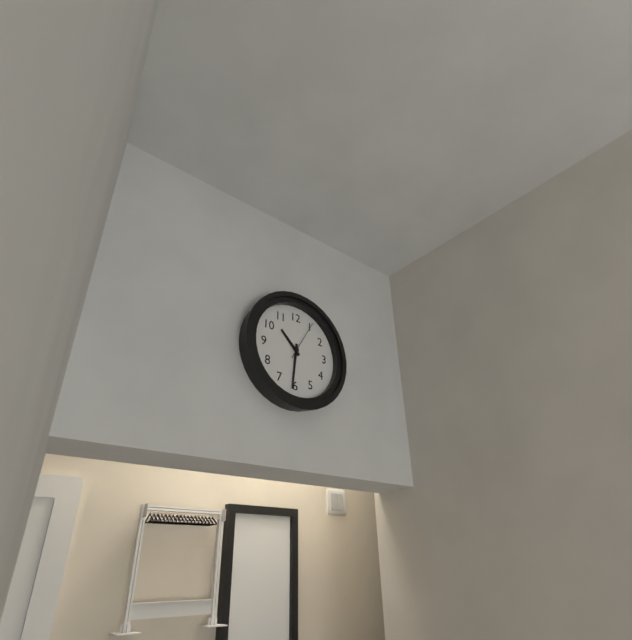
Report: 10:31
